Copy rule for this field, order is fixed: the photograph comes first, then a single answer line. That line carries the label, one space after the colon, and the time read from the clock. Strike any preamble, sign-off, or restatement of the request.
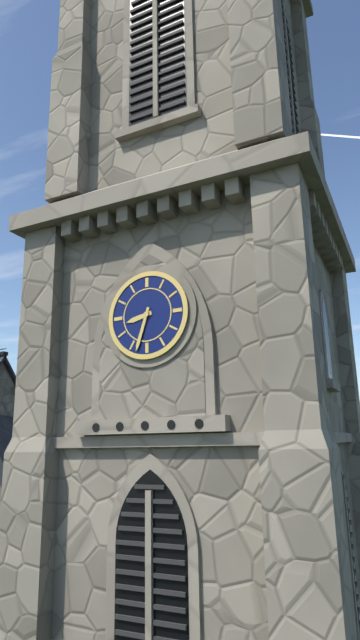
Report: 8:33
